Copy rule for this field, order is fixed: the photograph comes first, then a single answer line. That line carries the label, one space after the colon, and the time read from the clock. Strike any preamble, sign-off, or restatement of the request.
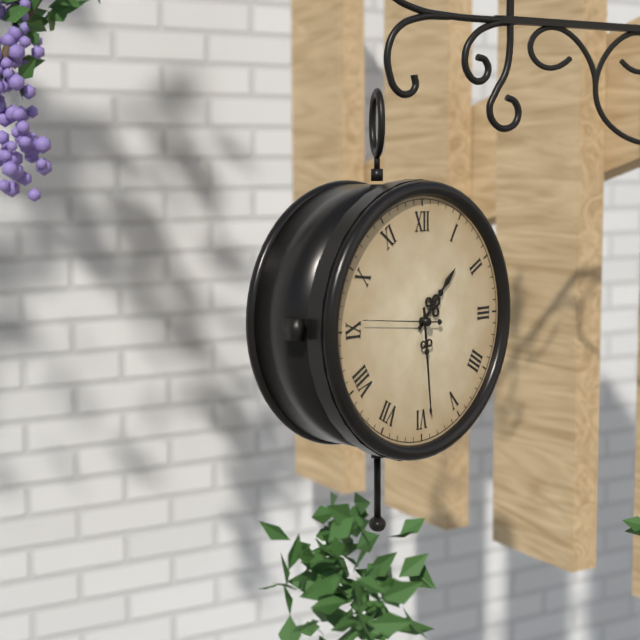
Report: 1:29
